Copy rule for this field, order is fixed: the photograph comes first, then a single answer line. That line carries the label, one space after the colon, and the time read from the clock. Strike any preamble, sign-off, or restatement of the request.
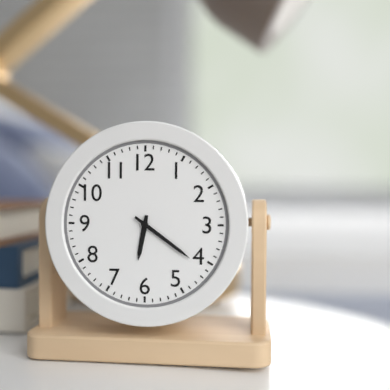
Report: 6:21
